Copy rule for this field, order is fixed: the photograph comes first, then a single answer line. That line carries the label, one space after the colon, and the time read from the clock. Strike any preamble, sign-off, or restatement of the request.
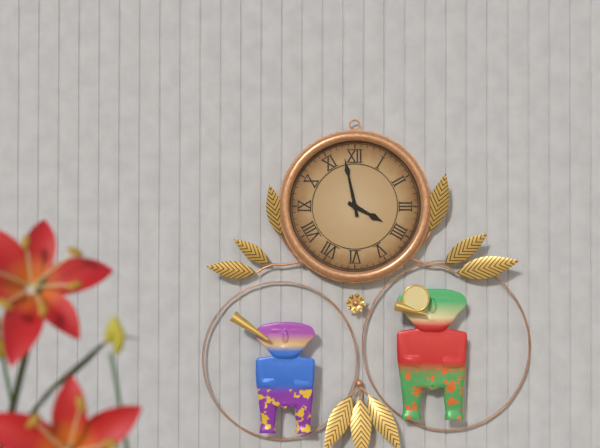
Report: 3:58
